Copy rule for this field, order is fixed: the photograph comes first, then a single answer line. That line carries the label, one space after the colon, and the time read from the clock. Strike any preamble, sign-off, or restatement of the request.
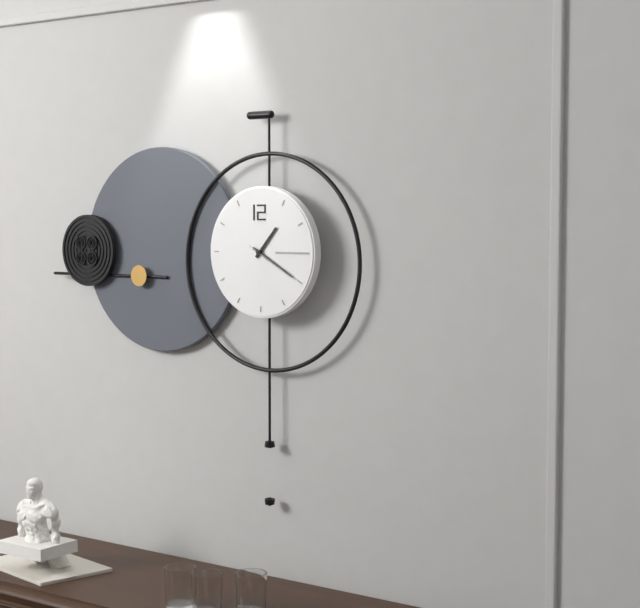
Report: 1:20
